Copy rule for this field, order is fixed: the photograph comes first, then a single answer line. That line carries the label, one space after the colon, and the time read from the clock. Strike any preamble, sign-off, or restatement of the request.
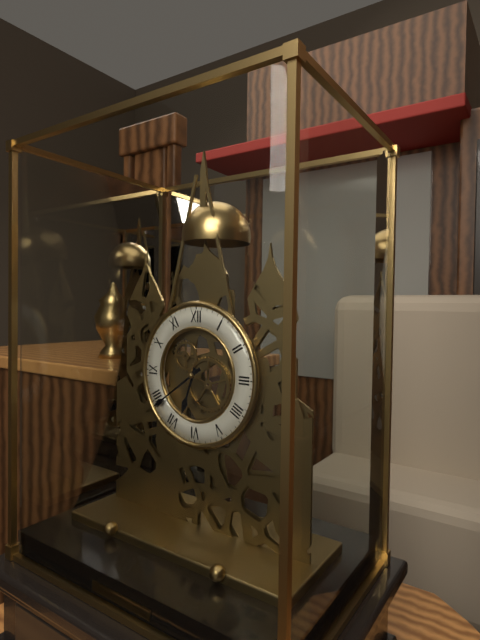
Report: 6:39
